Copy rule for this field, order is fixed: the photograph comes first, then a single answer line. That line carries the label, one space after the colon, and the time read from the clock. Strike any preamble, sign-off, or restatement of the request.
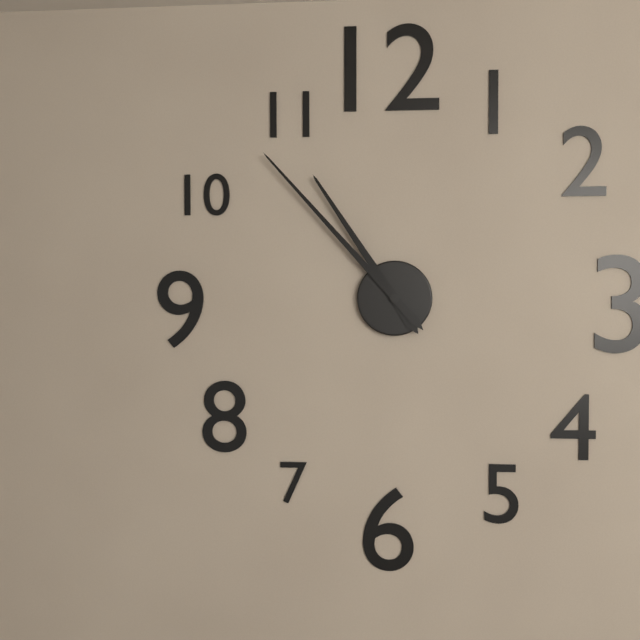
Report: 10:53
